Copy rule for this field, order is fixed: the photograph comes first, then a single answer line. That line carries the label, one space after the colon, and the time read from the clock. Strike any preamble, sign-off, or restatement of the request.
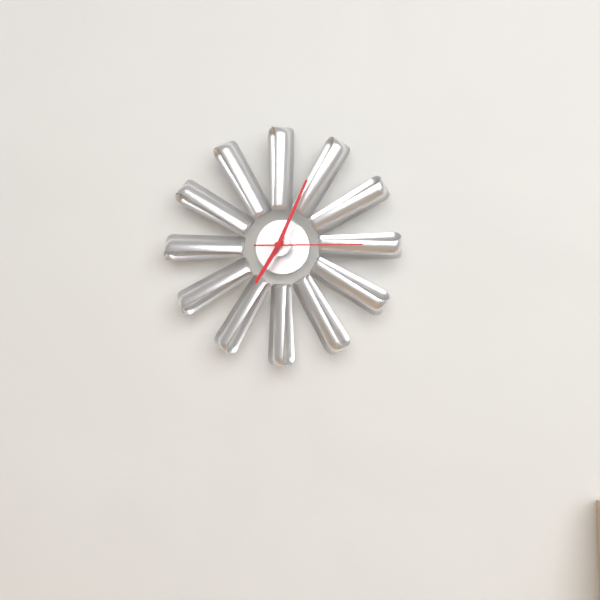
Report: 7:04:15
